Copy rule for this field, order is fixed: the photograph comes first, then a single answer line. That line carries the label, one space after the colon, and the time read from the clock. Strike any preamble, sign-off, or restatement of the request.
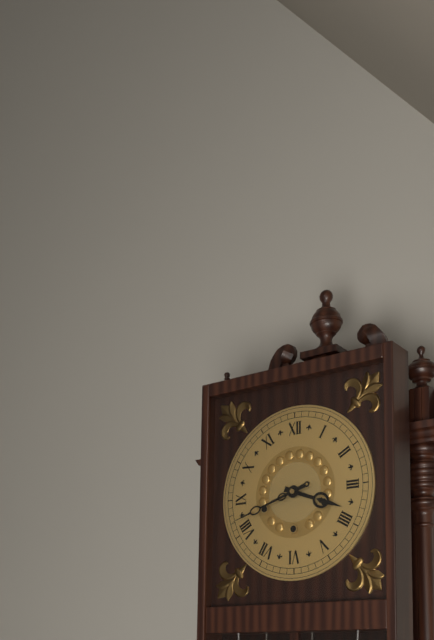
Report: 3:42
